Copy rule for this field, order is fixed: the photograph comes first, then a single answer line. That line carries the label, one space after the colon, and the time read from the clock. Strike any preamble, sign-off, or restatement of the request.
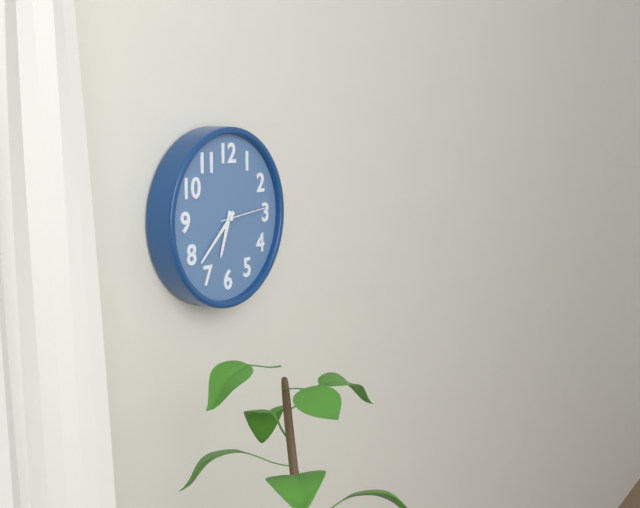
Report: 6:38
